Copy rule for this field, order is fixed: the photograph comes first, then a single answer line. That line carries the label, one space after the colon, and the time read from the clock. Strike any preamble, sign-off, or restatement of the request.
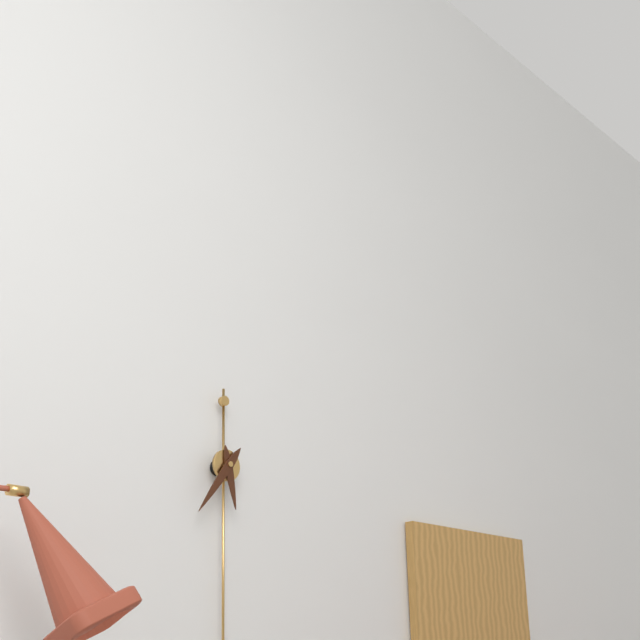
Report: 5:36
